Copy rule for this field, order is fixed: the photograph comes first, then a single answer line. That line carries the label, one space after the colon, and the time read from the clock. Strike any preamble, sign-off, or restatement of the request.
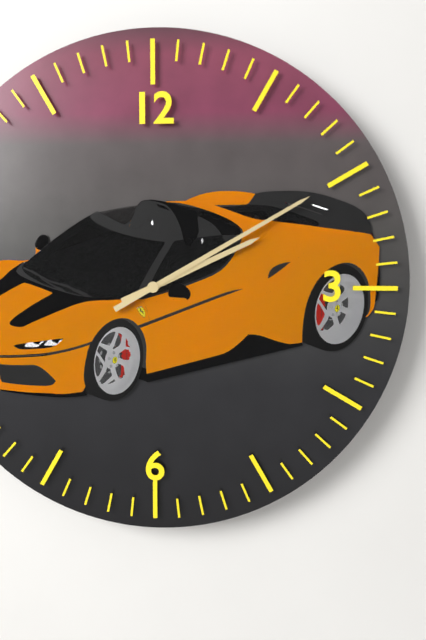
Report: 2:10
